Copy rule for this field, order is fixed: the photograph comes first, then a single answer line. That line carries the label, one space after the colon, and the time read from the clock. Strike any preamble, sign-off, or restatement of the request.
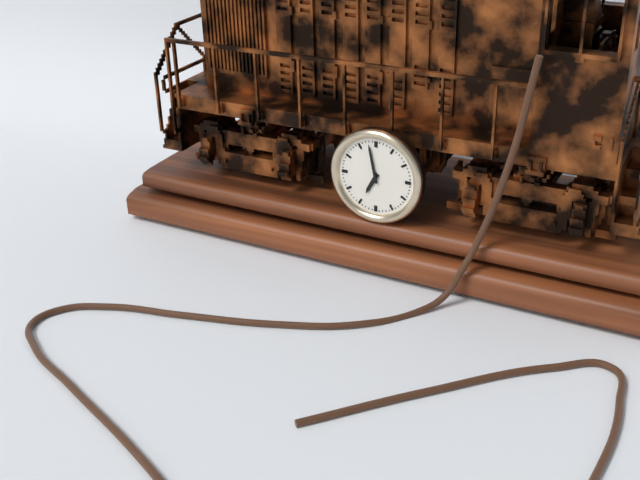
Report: 6:58
